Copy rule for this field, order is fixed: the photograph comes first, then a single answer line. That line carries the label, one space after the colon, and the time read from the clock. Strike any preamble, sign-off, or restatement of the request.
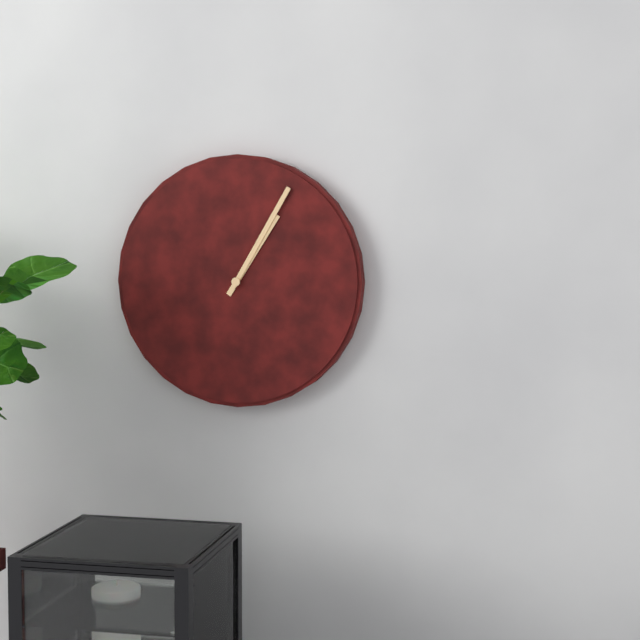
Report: 1:05
